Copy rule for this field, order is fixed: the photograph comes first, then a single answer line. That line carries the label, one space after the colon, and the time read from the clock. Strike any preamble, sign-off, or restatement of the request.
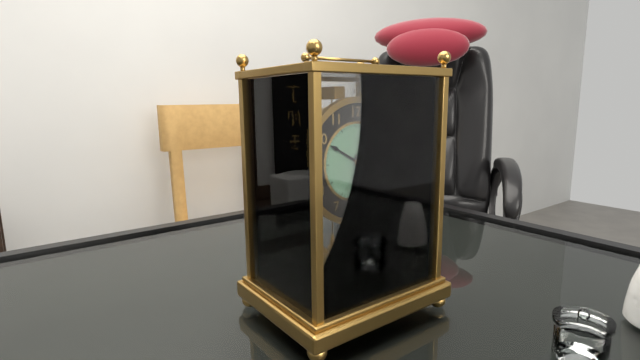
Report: 5:50
